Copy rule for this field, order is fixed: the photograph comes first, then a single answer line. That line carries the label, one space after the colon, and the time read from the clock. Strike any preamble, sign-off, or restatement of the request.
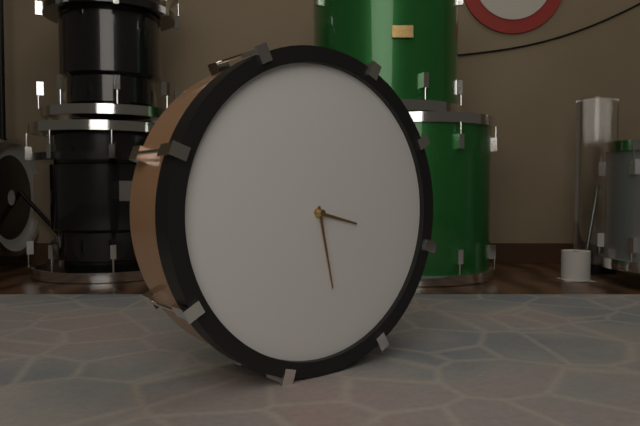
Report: 3:28
